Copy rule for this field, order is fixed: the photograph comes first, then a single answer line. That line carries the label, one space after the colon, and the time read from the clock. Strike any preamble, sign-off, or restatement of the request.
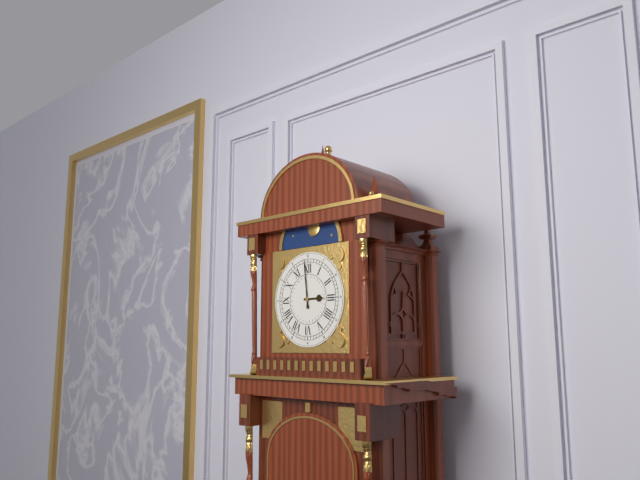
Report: 2:59
